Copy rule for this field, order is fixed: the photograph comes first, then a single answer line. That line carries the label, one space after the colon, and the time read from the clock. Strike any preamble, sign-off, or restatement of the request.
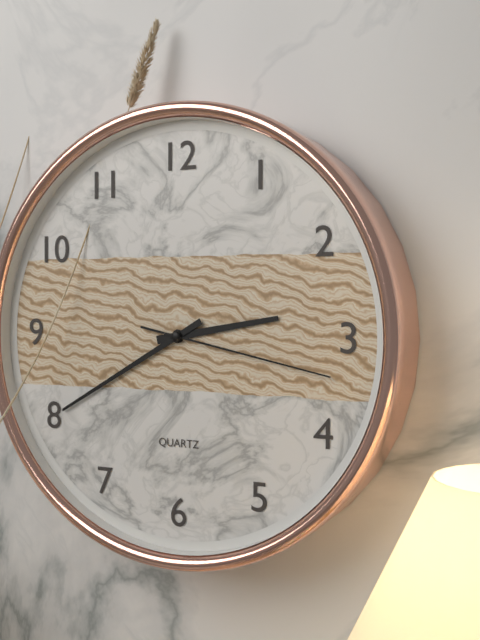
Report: 2:40:17
